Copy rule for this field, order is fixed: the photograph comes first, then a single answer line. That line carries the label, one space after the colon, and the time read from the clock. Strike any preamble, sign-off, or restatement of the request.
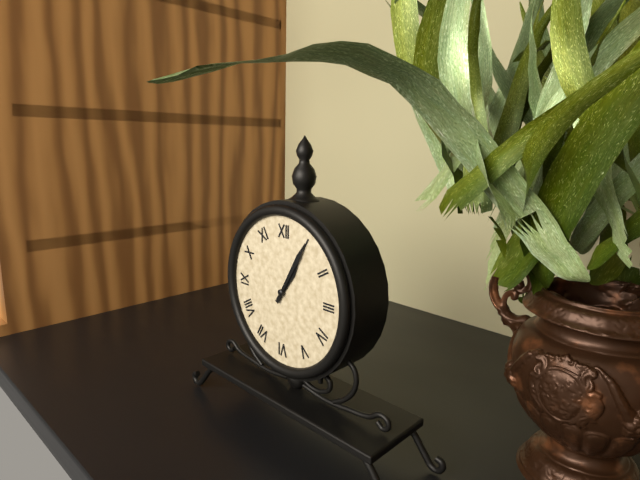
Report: 1:05
